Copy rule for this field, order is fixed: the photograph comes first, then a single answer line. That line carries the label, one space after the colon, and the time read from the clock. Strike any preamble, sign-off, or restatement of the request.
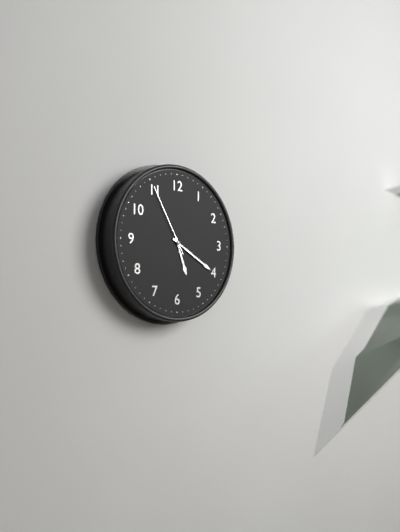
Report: 5:20:55
